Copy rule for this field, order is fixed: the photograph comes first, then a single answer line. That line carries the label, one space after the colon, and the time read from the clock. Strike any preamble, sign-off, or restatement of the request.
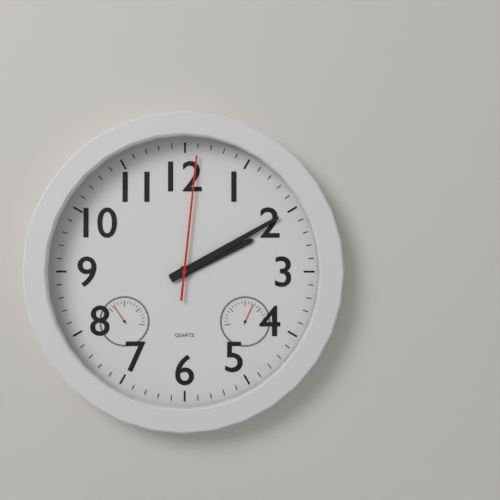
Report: 2:10:01
